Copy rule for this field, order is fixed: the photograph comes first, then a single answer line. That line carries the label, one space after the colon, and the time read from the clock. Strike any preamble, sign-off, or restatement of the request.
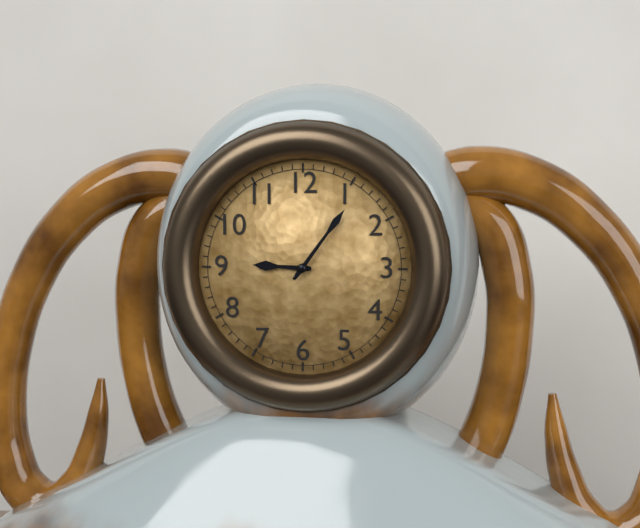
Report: 9:06
